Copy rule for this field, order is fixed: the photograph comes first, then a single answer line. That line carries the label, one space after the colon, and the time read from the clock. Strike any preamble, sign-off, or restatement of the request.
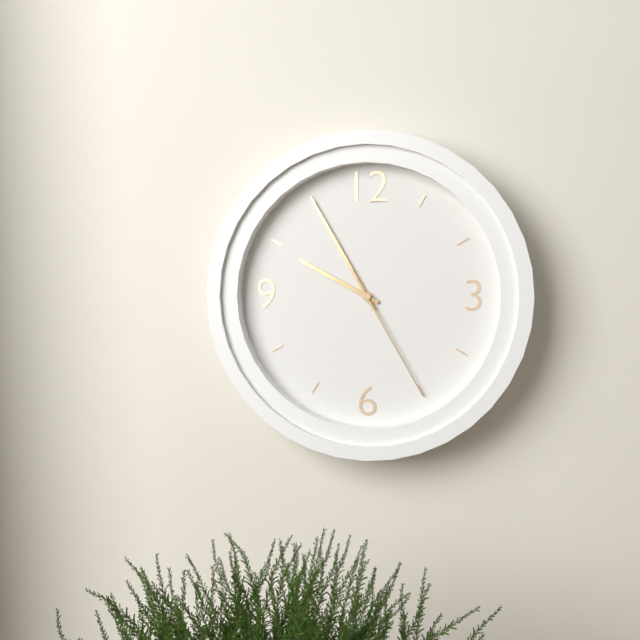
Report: 9:55:25
